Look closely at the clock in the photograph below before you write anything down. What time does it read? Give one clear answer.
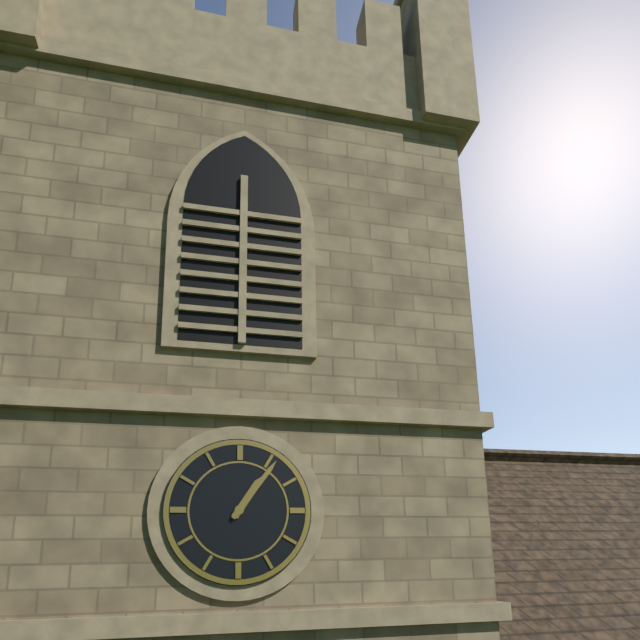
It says 1:06
